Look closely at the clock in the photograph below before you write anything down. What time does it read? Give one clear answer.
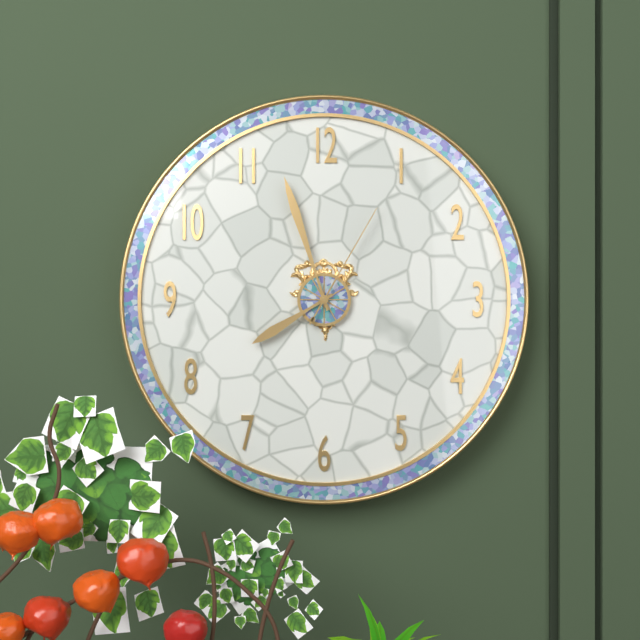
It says 7:57:05
